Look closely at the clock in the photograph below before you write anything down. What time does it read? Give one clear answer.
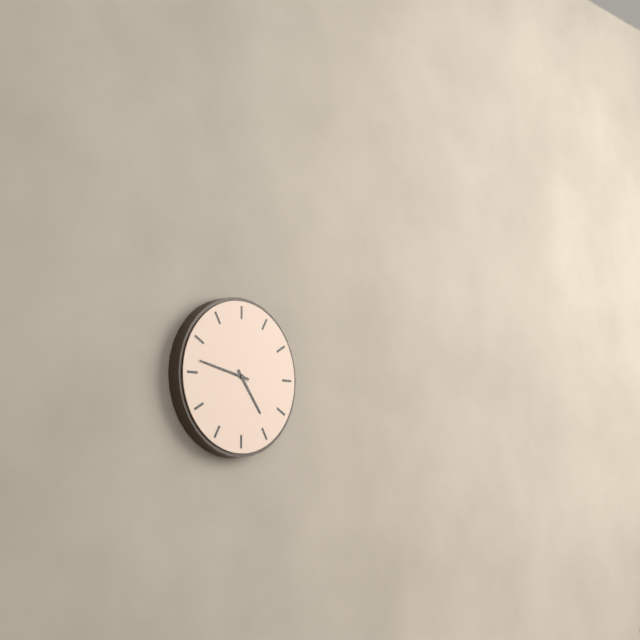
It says 4:47
